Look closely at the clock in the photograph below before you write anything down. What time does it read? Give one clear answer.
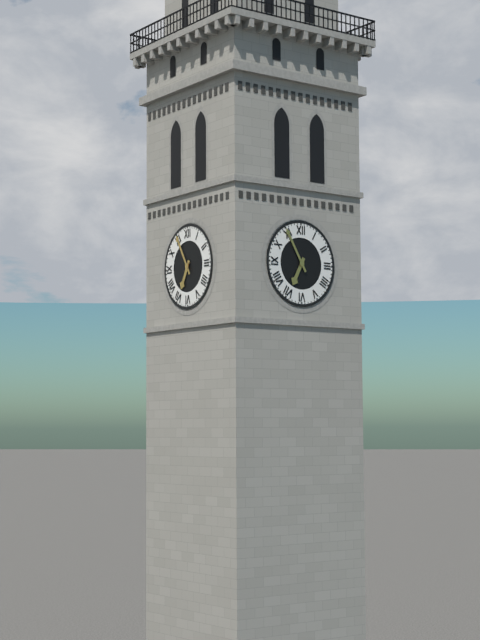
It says 6:55
